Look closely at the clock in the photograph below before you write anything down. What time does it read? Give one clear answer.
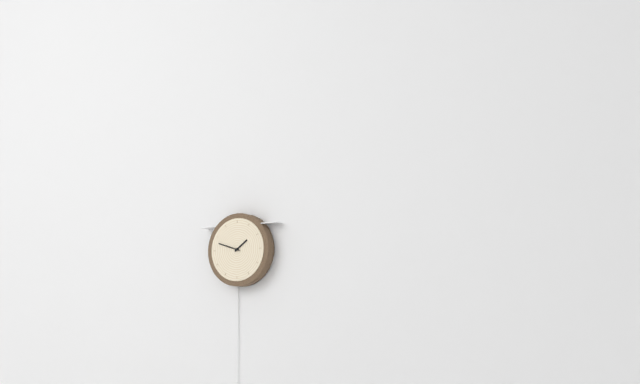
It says 1:48
